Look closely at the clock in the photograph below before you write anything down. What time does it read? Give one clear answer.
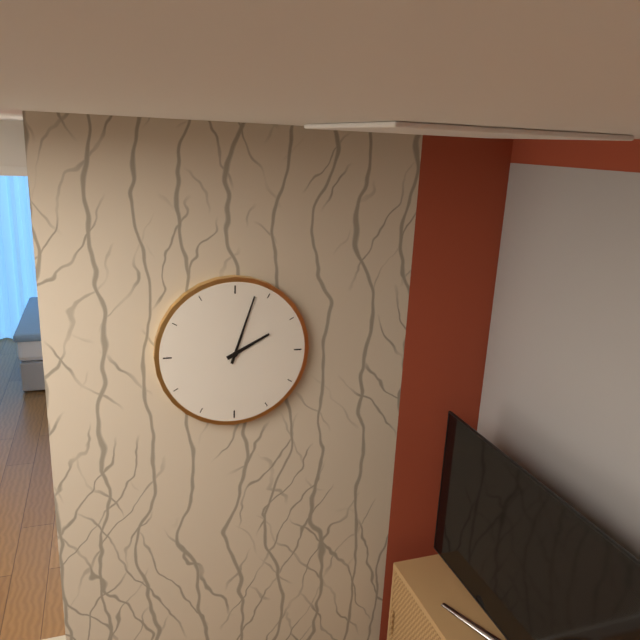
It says 2:03
